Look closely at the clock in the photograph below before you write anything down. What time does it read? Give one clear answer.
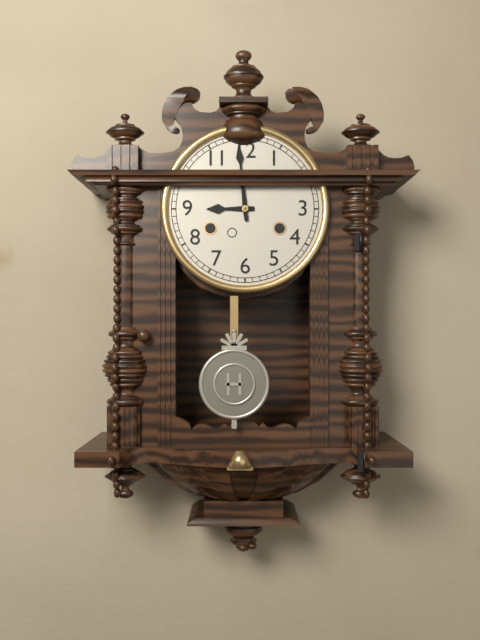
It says 8:59
